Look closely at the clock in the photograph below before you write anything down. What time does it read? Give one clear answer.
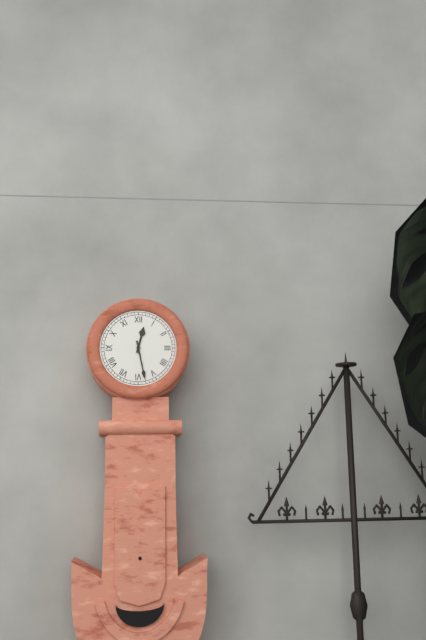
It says 12:28
